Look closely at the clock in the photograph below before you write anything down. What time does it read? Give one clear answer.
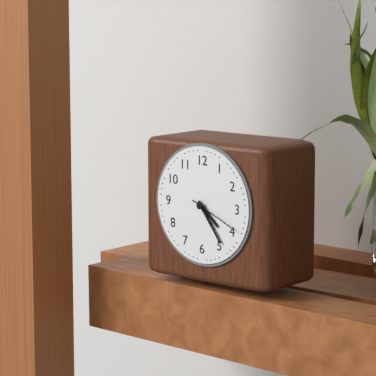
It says 4:24:19
